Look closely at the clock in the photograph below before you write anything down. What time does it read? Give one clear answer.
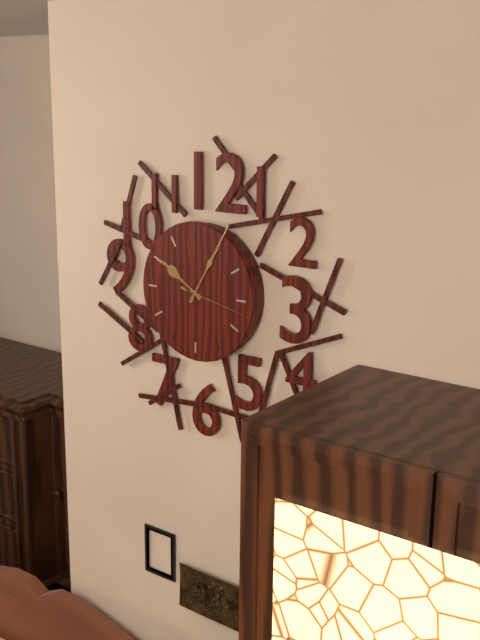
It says 10:05:17
